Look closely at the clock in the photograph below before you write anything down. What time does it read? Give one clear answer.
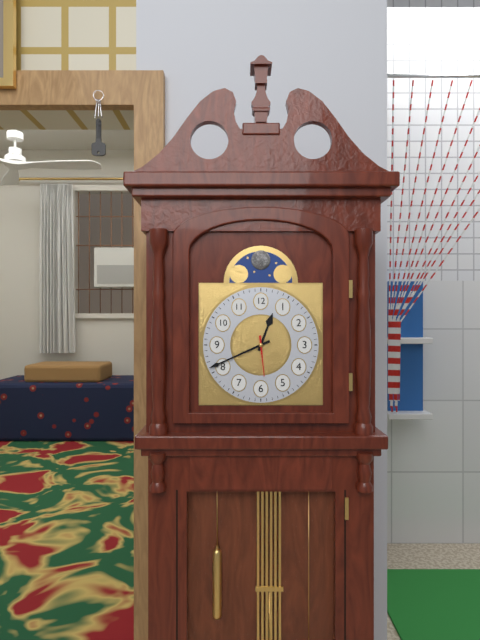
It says 12:41
